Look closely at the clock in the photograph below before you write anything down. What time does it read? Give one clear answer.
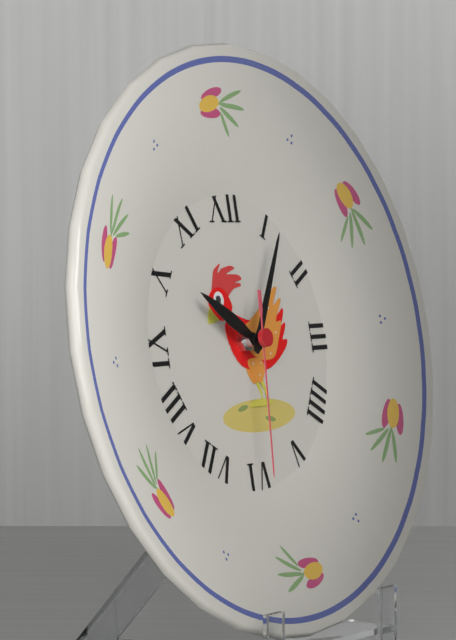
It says 10:05:31
